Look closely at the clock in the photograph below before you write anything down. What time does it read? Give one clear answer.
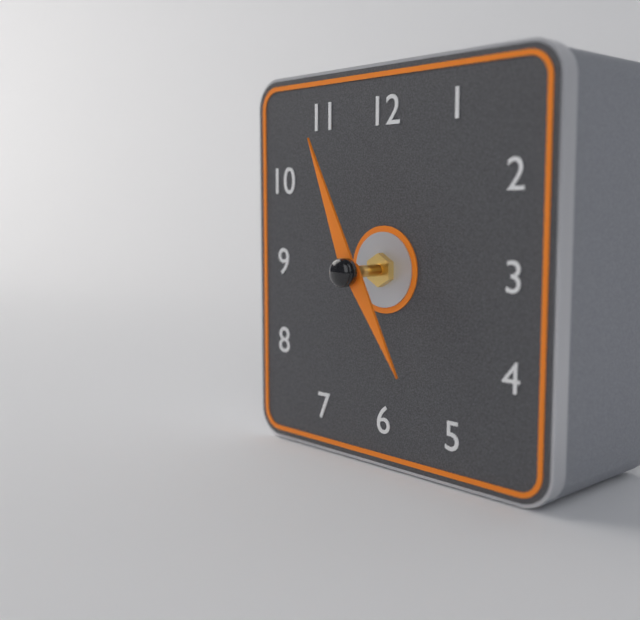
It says 4:56
